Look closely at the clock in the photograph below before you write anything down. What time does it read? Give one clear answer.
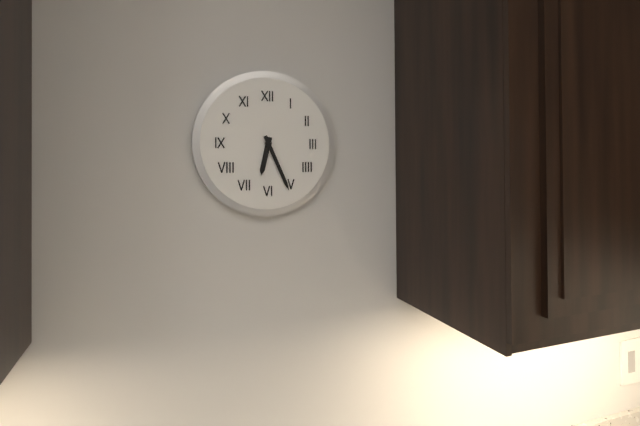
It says 6:26
